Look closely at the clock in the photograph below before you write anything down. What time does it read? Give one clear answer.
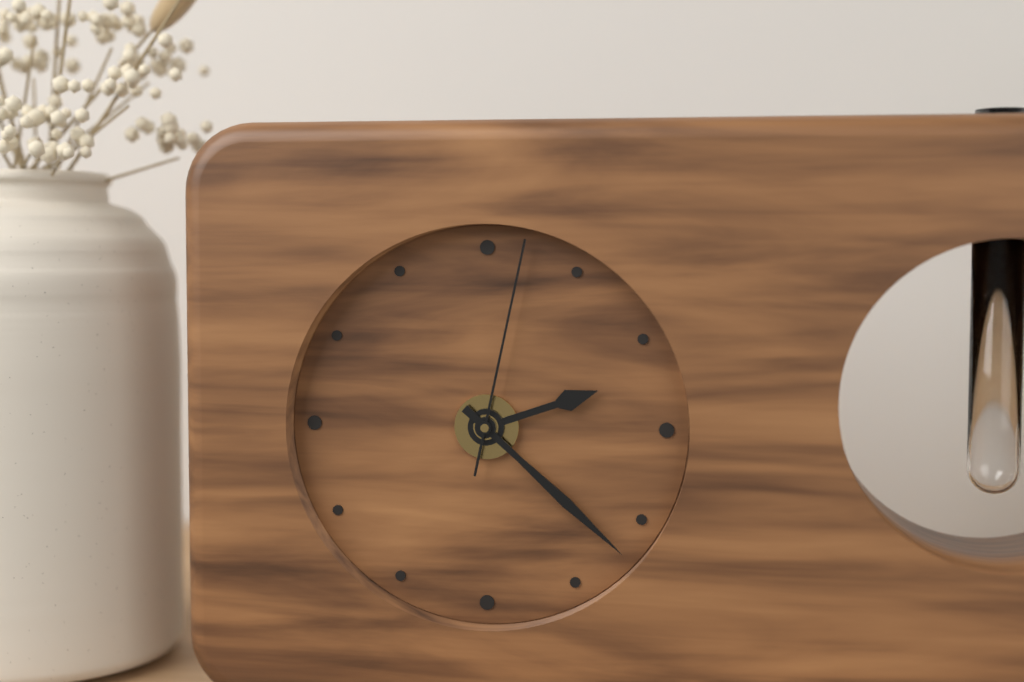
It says 2:22:02
